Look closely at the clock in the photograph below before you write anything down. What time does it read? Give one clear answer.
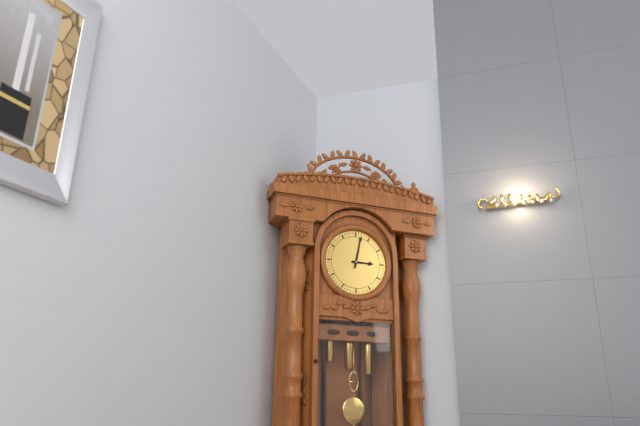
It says 3:02
